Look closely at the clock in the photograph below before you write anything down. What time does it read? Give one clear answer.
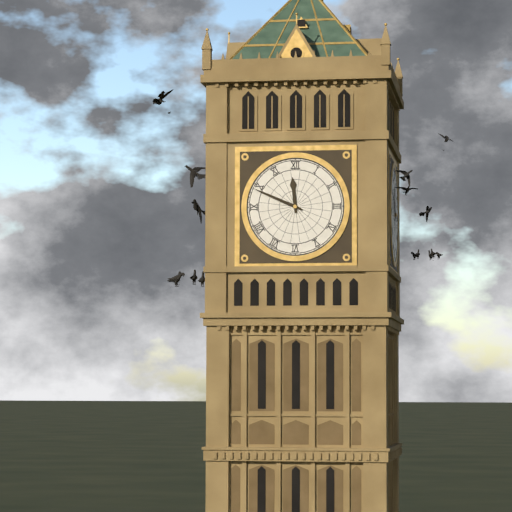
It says 11:49
